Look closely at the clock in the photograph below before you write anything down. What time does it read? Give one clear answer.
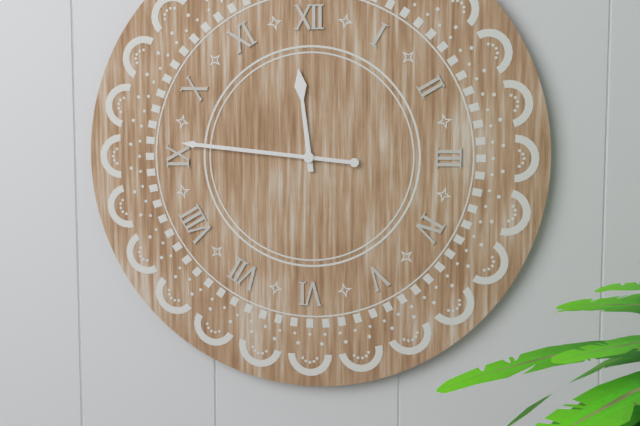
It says 11:46
